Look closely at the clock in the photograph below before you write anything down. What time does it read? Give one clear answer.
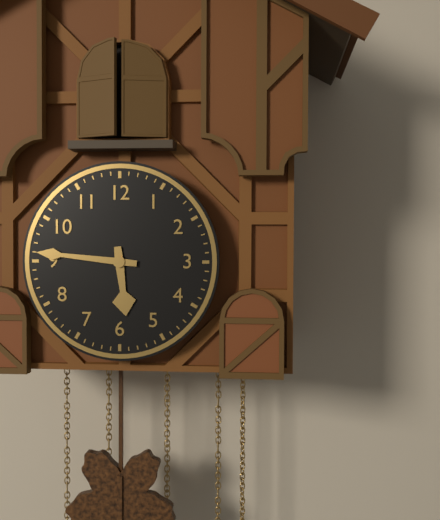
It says 5:46
